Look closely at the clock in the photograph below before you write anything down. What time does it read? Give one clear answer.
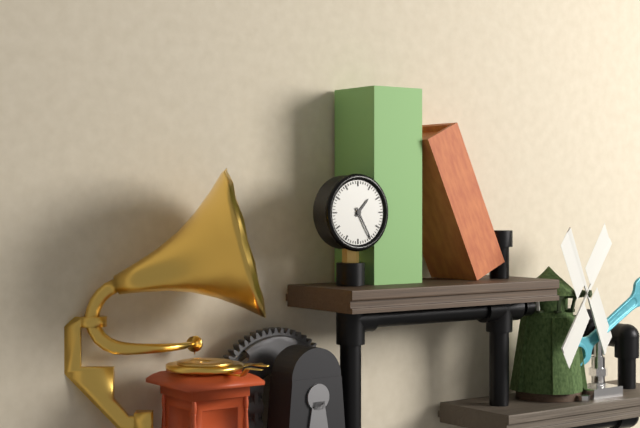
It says 1:25
